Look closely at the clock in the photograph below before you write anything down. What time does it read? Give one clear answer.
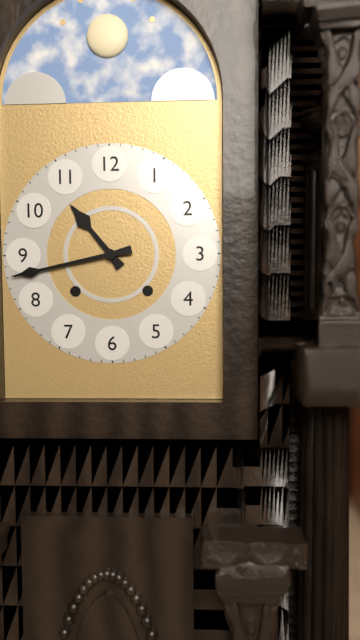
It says 10:43
